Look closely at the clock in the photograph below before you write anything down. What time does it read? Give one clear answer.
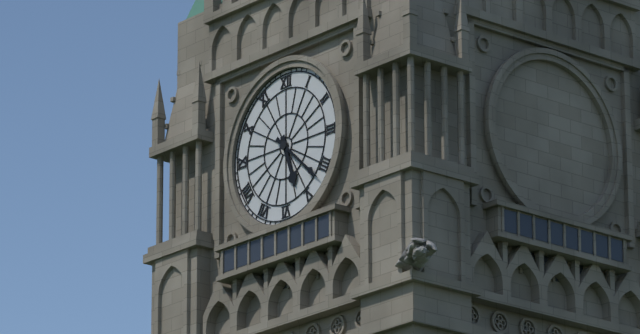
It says 5:22
